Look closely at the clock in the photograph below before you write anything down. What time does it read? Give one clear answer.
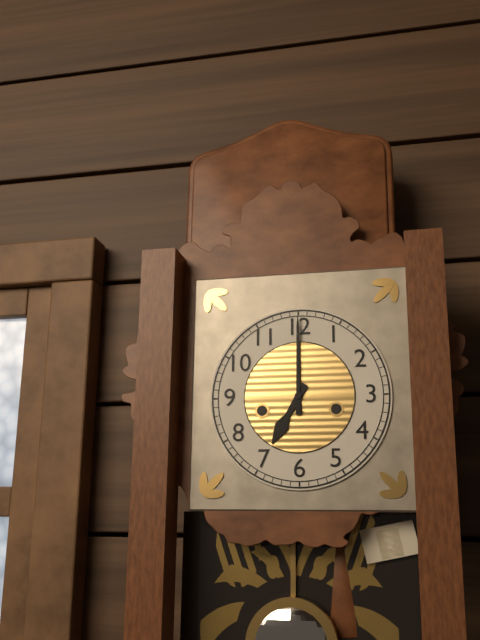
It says 7:00
